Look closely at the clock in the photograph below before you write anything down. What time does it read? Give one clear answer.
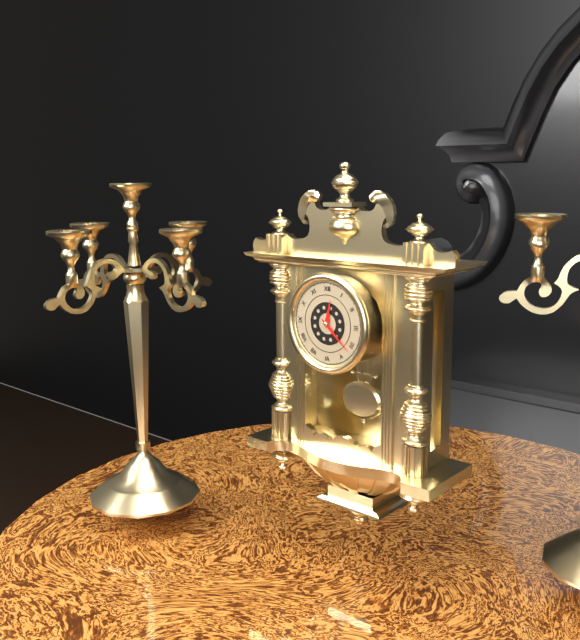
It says 12:22
